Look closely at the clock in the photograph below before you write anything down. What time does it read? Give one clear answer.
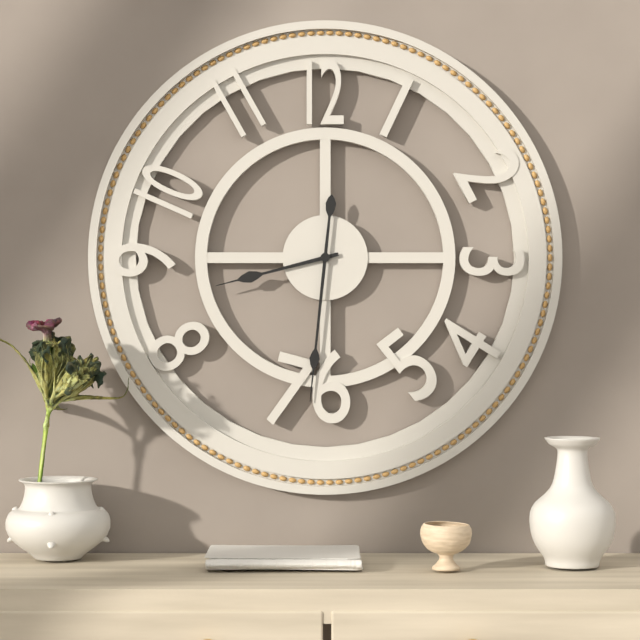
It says 8:31
